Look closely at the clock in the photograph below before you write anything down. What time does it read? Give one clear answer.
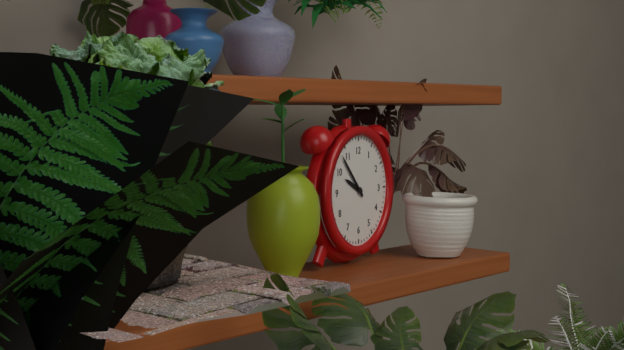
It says 9:53
